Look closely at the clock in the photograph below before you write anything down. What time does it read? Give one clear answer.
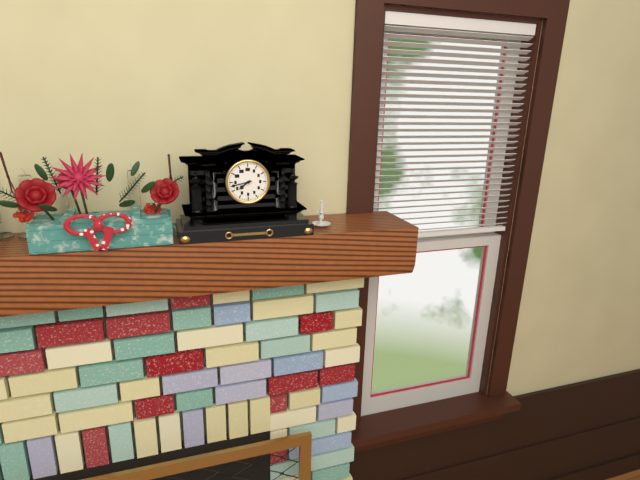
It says 7:43
